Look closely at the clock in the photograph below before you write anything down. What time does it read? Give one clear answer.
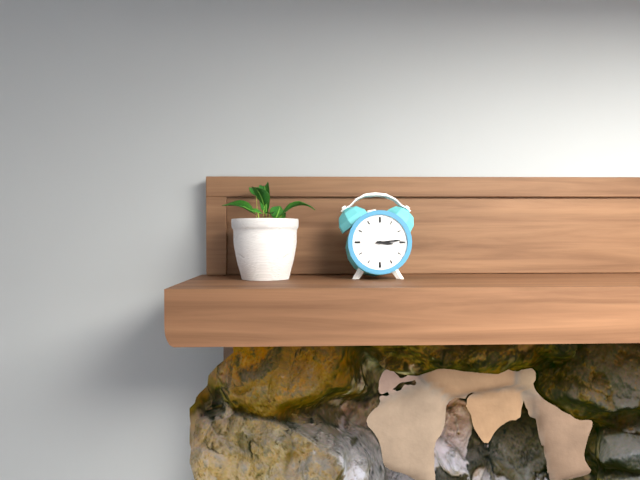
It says 3:14
